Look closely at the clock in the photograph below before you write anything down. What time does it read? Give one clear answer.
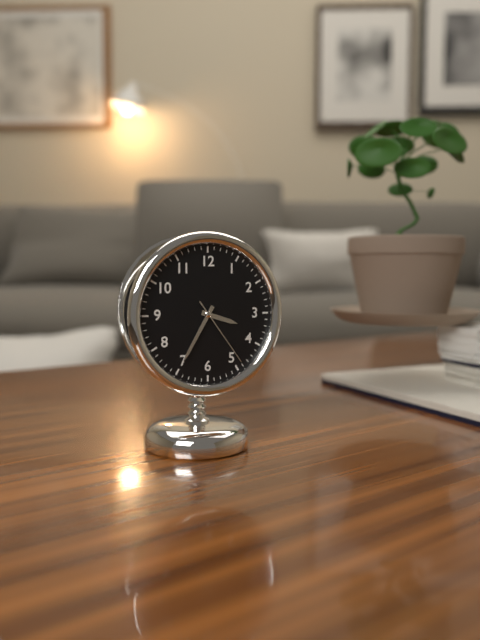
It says 3:35:24
